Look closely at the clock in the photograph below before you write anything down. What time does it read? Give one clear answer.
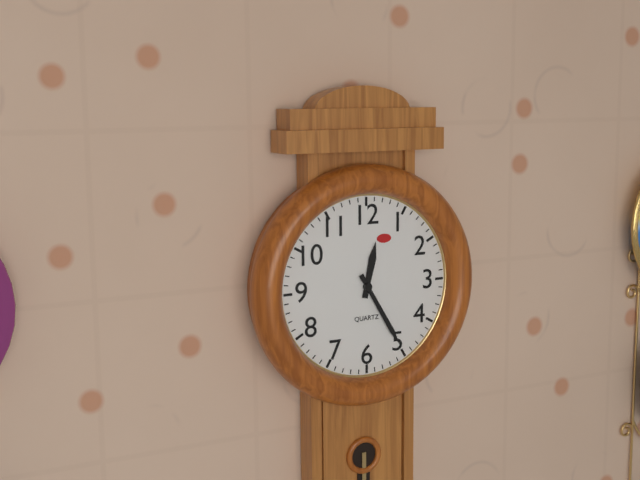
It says 12:25
